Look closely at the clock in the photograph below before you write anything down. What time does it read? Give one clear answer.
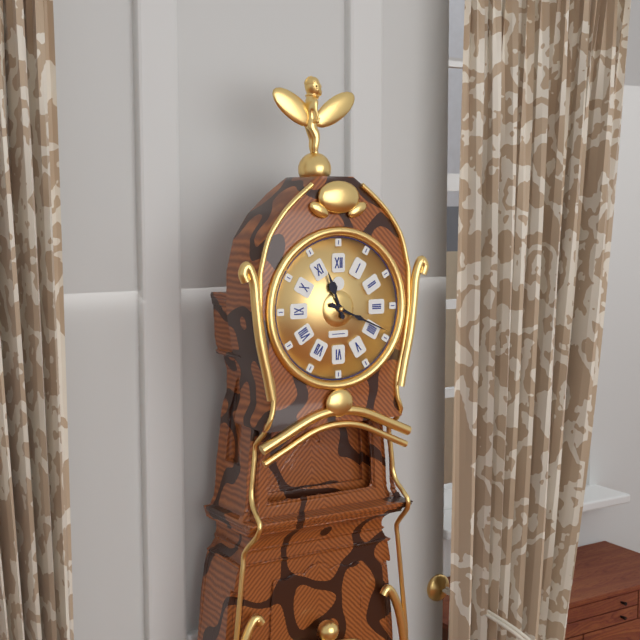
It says 11:19
